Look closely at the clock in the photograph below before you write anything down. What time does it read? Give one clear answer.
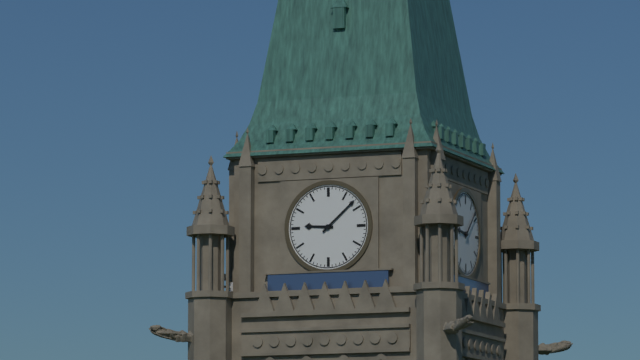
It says 9:08
